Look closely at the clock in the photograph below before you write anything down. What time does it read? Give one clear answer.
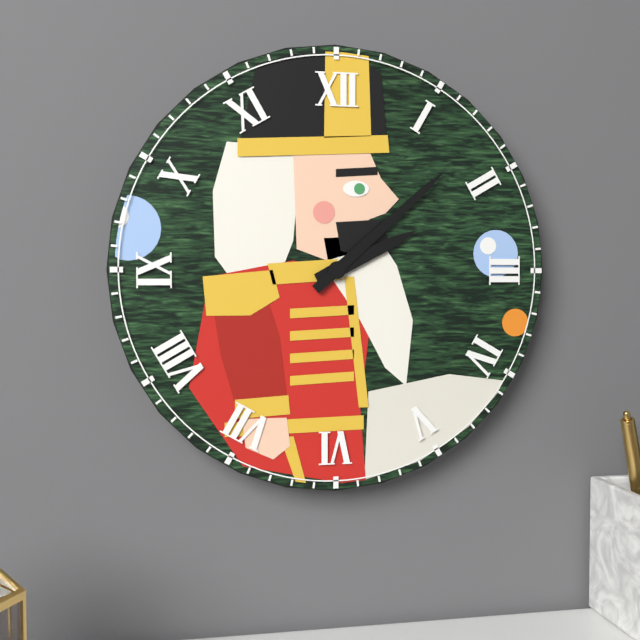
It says 2:08
